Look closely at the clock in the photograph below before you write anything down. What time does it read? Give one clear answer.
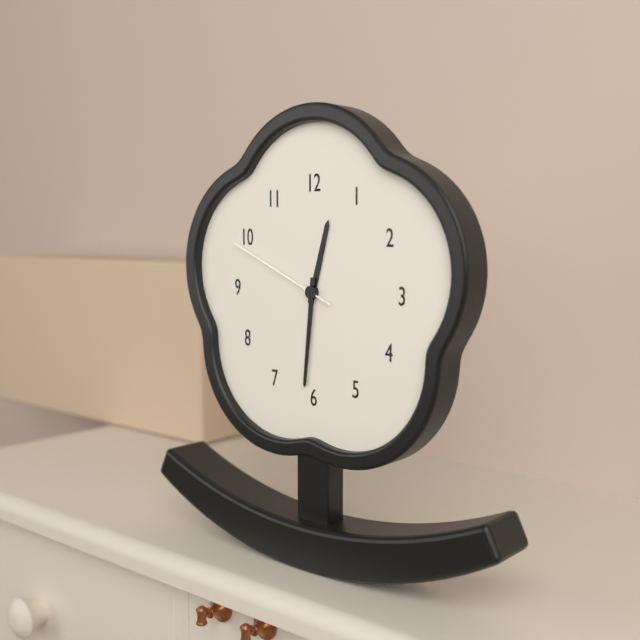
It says 12:31:49
